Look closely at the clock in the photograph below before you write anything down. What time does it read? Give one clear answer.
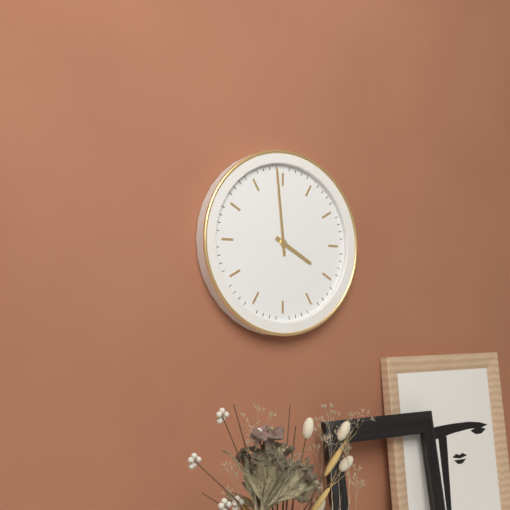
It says 3:59
